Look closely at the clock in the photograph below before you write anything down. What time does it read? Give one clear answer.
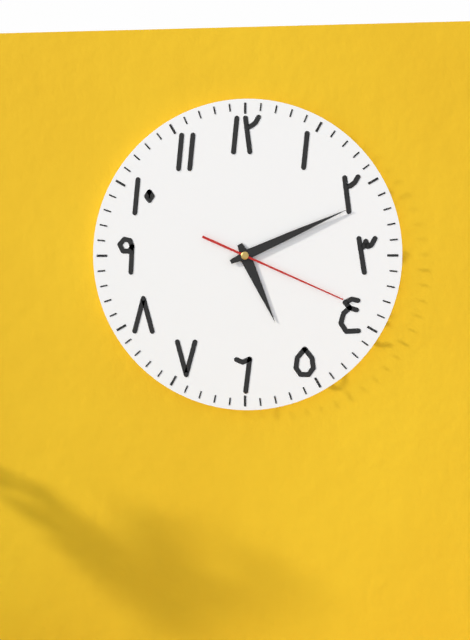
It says 5:11:19
